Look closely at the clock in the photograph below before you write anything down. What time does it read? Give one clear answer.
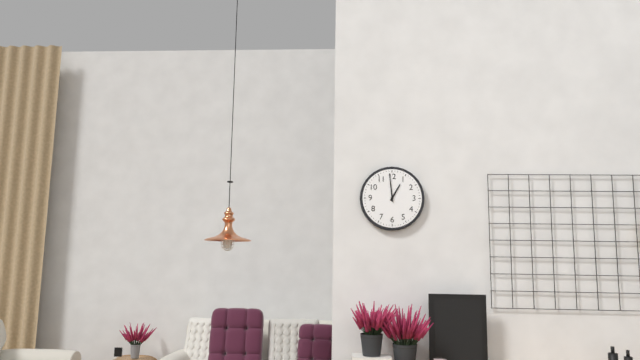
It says 12:59
